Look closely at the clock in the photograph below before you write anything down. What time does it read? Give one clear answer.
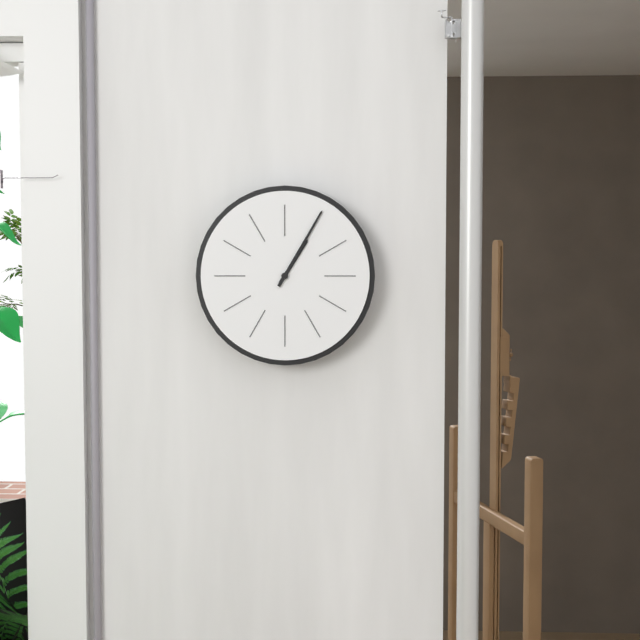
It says 1:05
